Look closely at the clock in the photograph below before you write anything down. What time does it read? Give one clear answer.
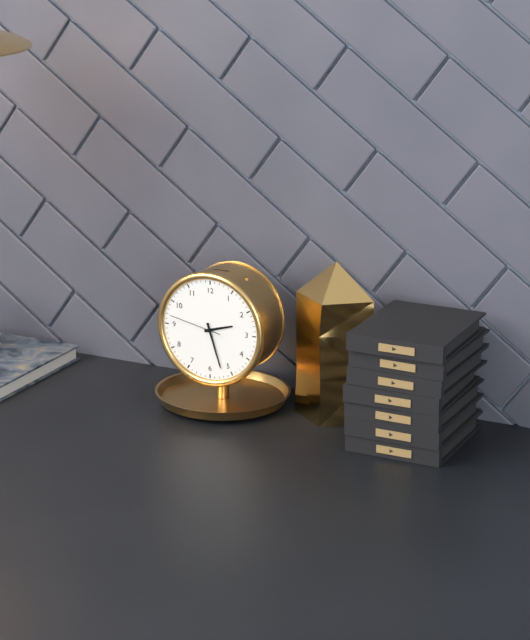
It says 2:27:47
